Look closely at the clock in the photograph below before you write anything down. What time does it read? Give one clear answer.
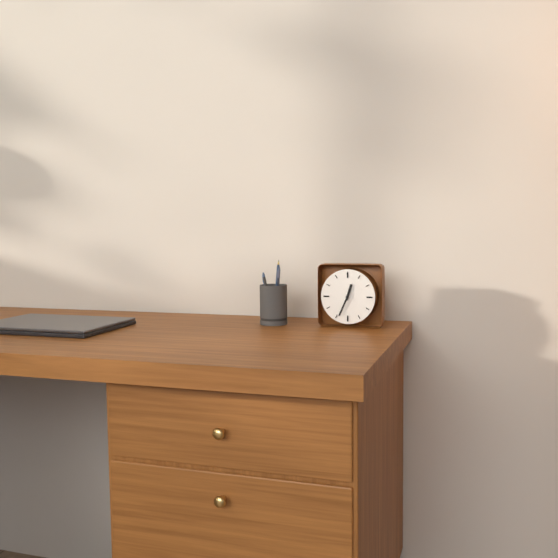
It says 12:34
